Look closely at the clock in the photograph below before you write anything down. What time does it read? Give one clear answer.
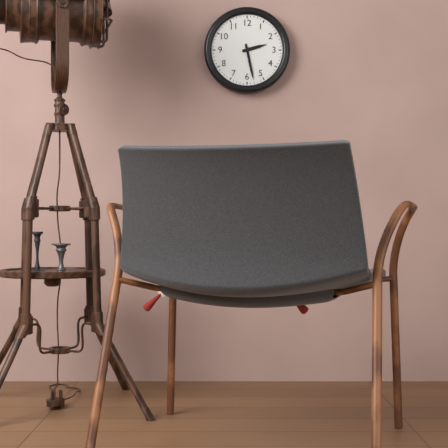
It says 2:28
